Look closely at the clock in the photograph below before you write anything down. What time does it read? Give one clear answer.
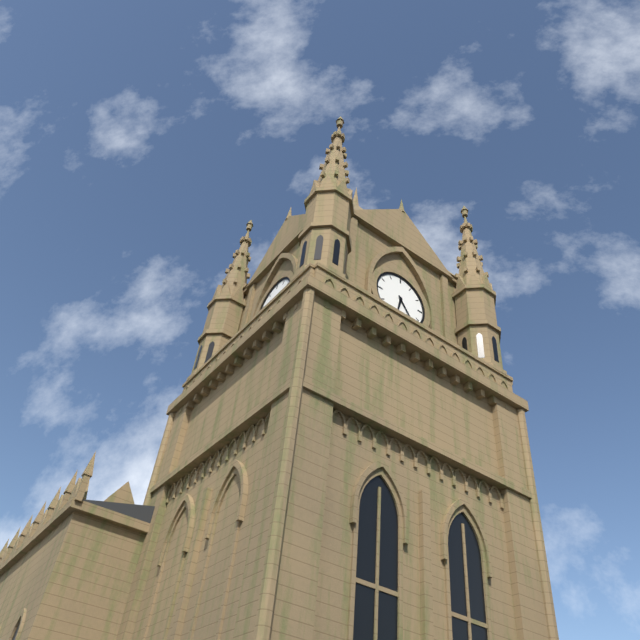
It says 6:24
